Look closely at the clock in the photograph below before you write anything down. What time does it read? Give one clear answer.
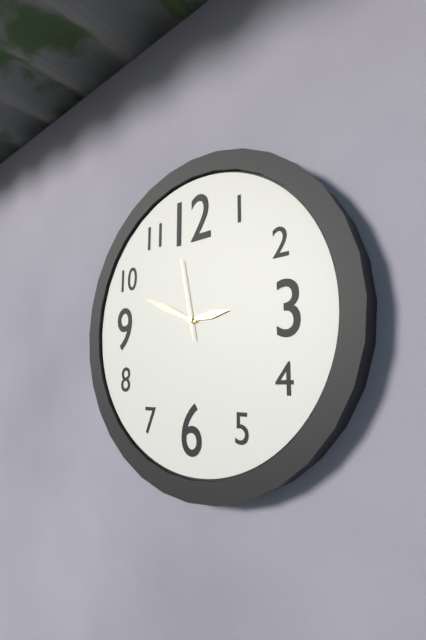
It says 2:49:58
